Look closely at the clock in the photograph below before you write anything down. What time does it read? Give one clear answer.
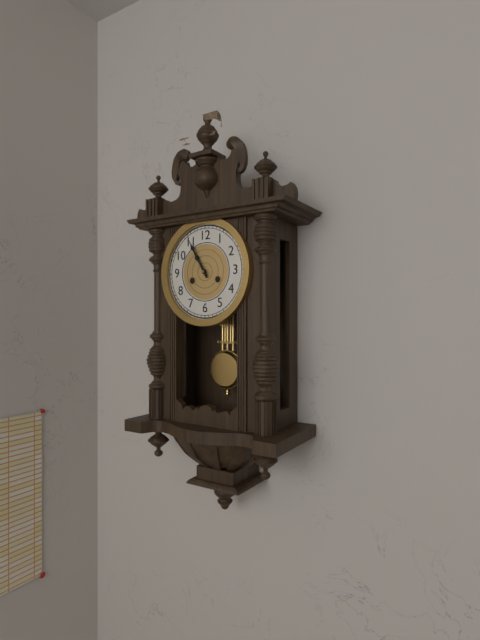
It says 10:55
